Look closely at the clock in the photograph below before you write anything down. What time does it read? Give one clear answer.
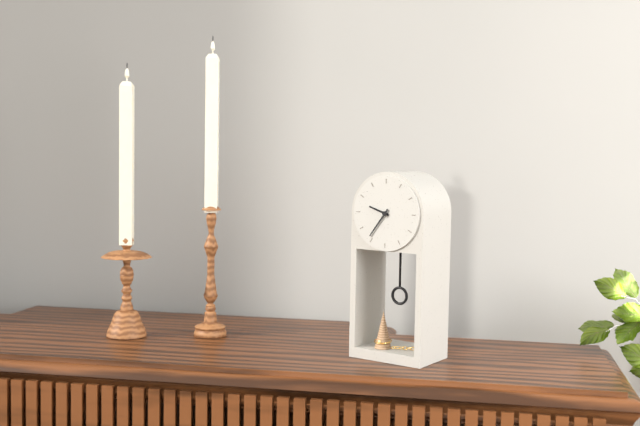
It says 9:36
